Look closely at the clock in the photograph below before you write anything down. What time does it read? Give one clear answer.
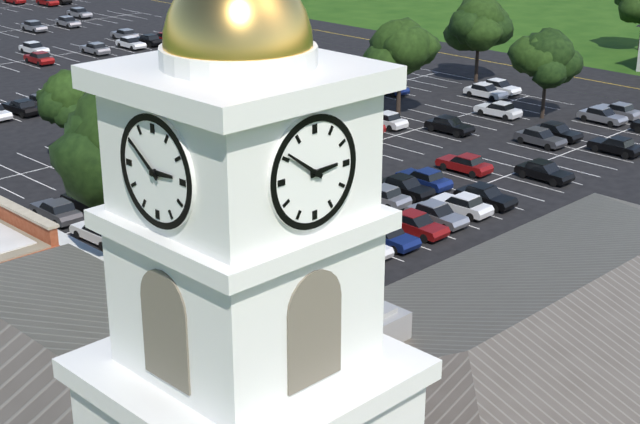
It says 2:51
